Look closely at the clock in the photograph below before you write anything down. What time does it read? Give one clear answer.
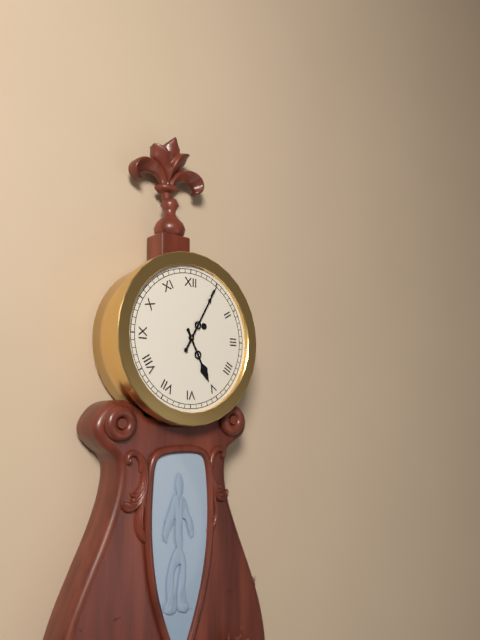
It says 5:05
